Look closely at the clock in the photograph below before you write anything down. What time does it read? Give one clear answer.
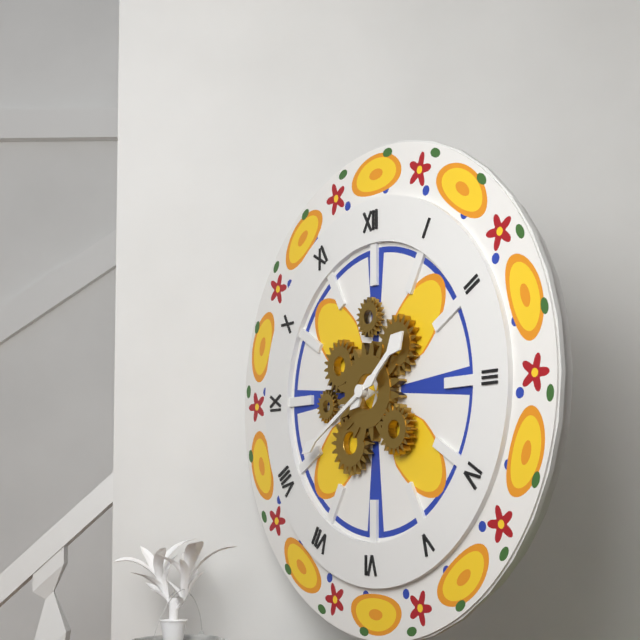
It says 1:40
